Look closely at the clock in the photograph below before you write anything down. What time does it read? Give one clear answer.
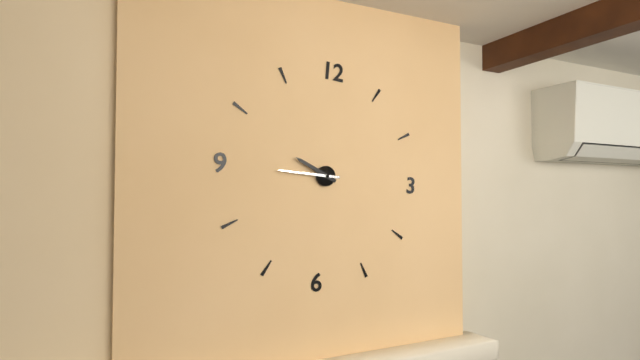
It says 9:45
